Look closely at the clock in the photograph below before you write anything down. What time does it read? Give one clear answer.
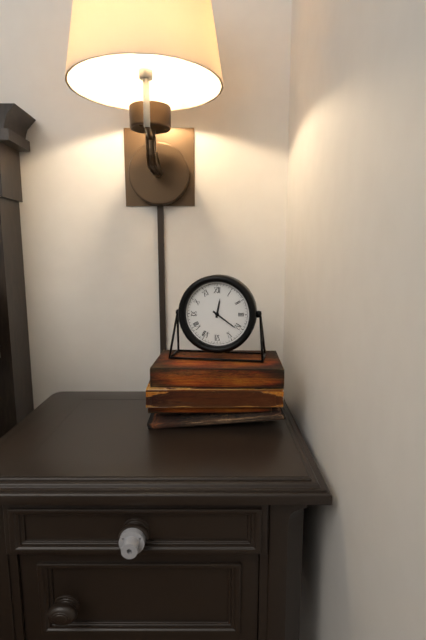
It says 12:21
